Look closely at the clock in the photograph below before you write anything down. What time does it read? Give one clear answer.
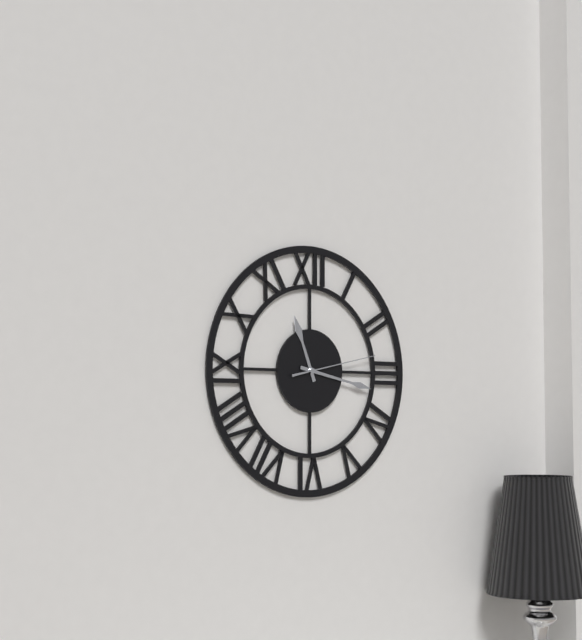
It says 11:17:13
